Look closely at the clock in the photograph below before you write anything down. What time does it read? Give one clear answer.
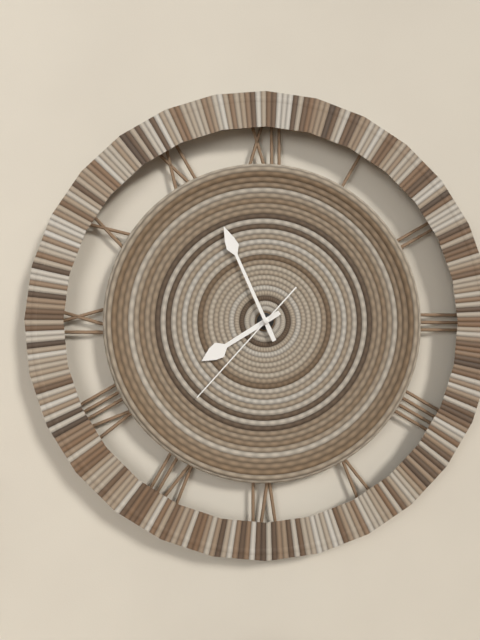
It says 7:56:37
